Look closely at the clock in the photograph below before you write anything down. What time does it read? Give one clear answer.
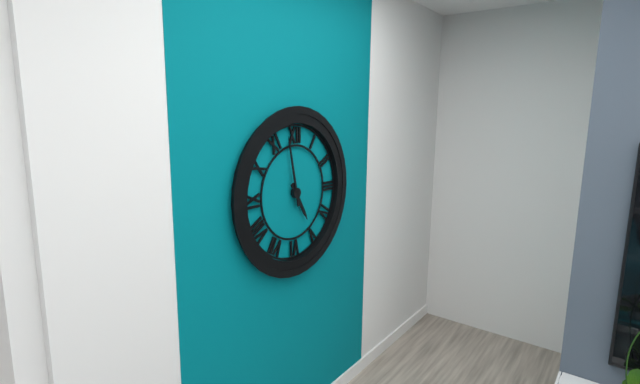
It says 4:58
